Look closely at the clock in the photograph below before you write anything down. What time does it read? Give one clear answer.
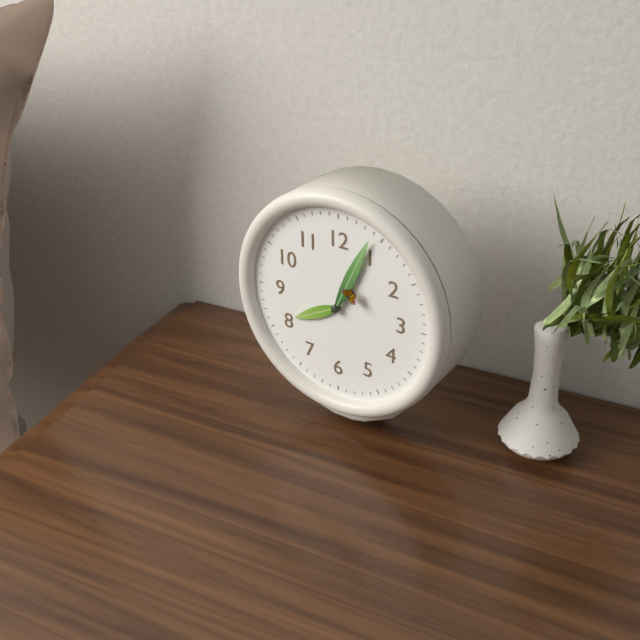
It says 8:04
